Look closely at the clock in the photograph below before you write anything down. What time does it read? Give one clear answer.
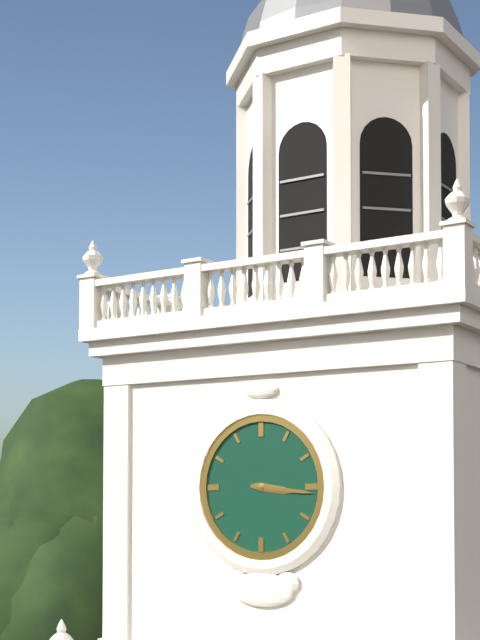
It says 3:16
